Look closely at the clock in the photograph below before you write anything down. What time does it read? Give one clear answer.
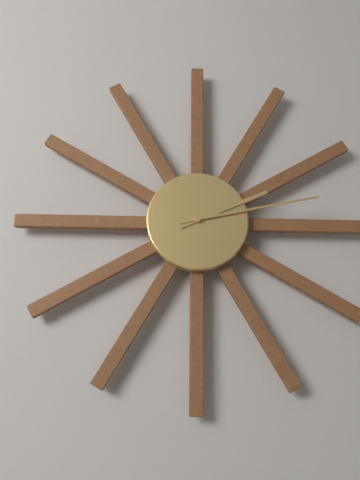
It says 2:13
